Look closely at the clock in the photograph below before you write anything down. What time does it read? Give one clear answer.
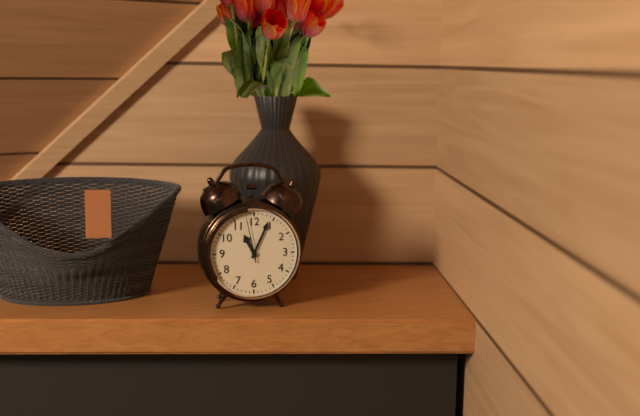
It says 11:04
